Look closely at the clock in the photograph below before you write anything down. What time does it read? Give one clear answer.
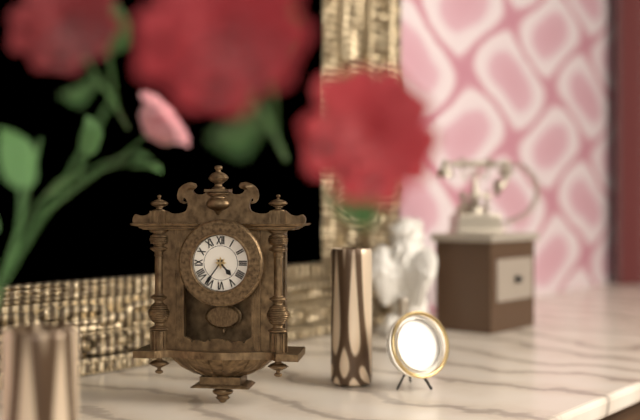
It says 4:36
